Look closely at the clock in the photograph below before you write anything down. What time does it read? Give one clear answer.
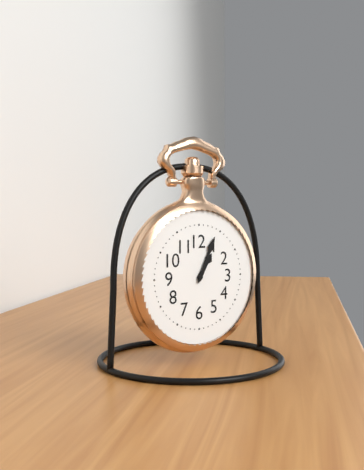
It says 1:04
